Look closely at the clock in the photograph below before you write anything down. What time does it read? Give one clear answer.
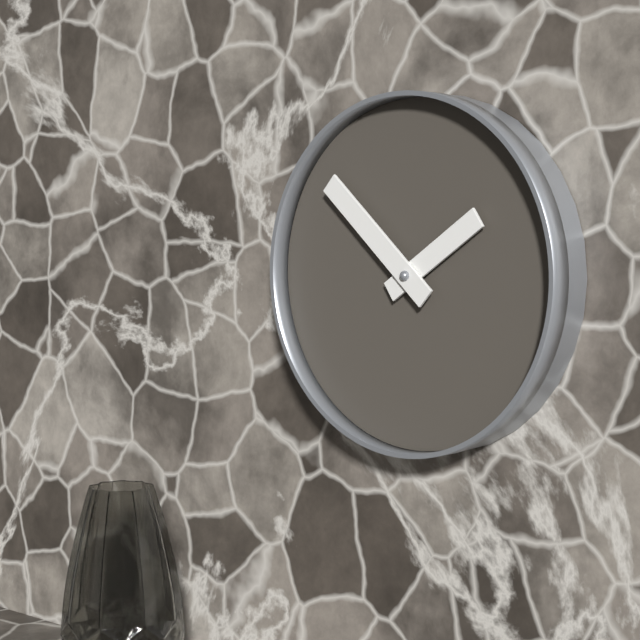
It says 1:52
